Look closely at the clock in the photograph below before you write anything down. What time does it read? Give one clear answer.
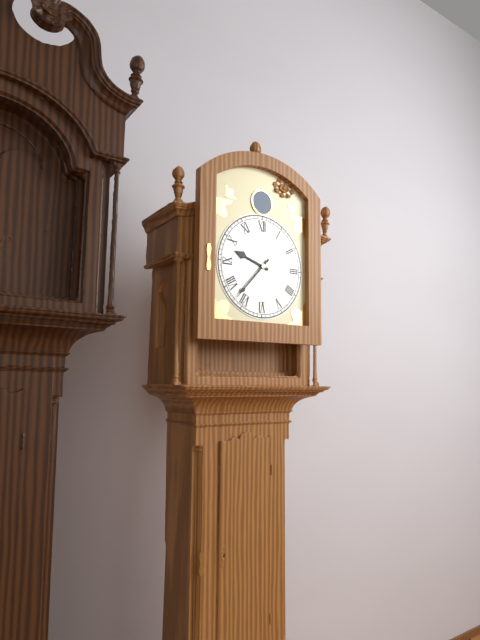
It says 9:37
